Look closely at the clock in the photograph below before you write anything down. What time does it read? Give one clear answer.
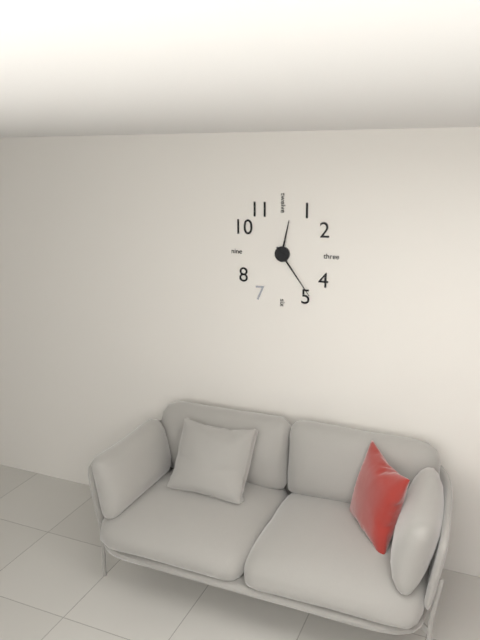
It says 12:24
